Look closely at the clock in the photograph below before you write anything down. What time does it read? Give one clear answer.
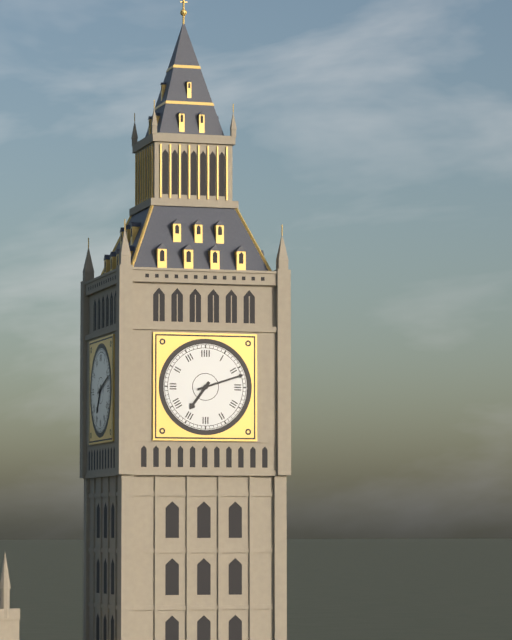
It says 7:12
